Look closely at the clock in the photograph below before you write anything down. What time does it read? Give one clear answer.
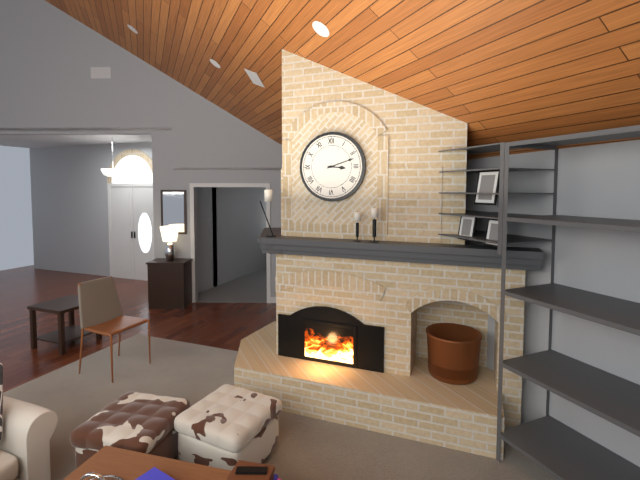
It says 3:12
